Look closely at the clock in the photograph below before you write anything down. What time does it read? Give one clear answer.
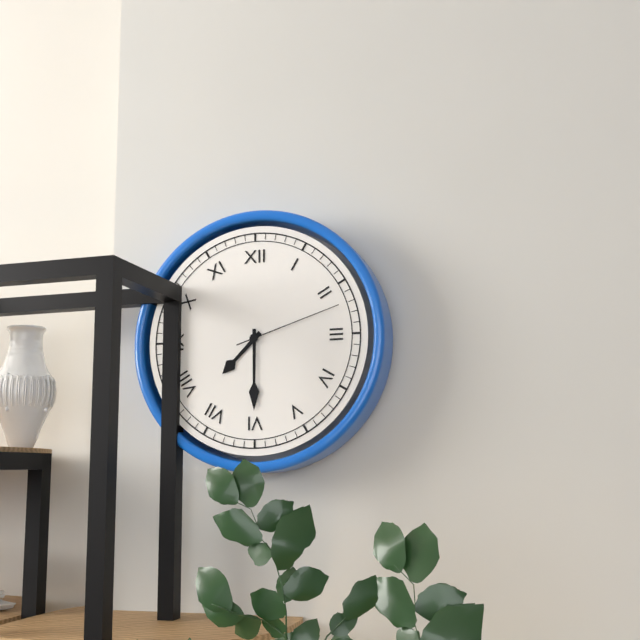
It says 7:30:12
